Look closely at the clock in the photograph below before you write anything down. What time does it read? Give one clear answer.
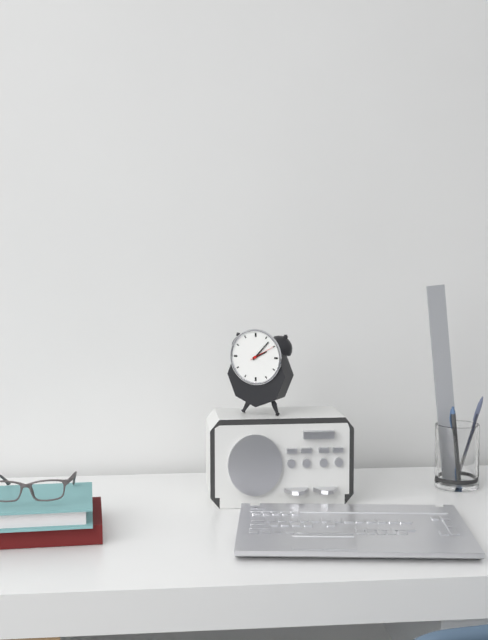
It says 2:07
